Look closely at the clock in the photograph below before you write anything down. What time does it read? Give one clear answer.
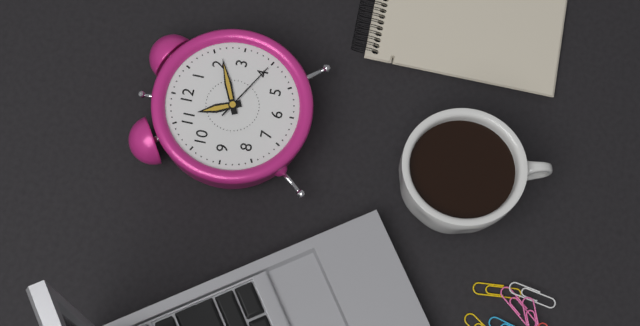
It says 11:11:20
